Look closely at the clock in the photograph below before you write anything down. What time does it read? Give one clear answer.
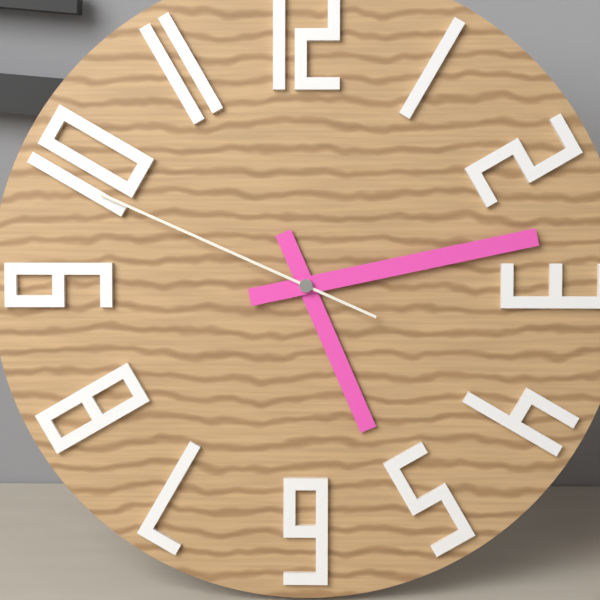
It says 5:13:49
